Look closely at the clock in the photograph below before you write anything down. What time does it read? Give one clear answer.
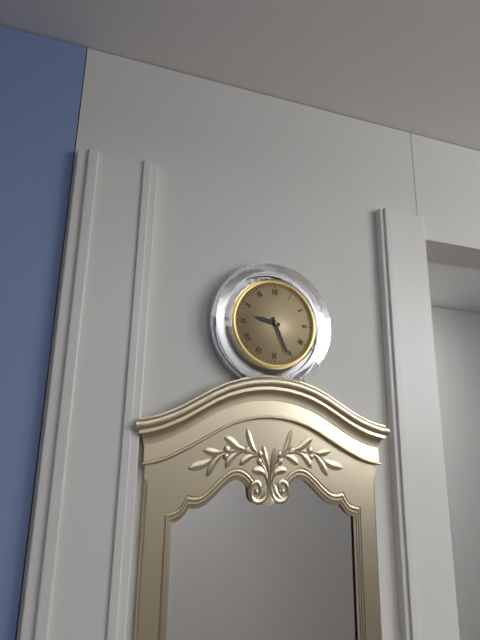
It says 9:26
